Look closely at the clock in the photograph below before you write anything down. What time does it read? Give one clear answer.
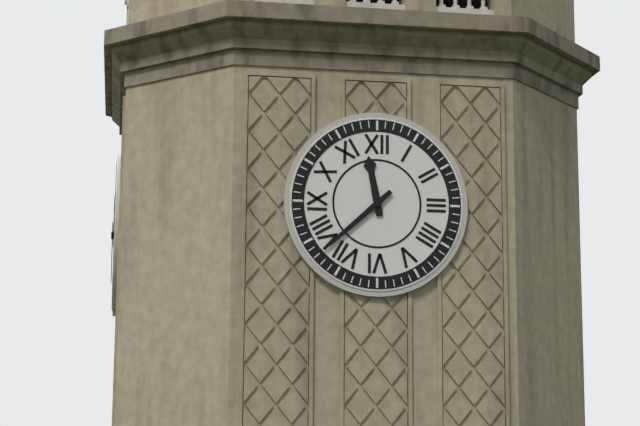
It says 11:38
